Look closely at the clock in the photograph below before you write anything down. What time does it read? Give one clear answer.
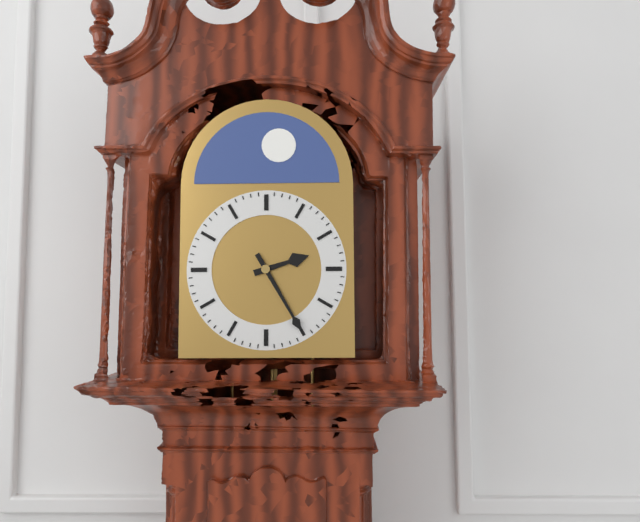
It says 2:25
